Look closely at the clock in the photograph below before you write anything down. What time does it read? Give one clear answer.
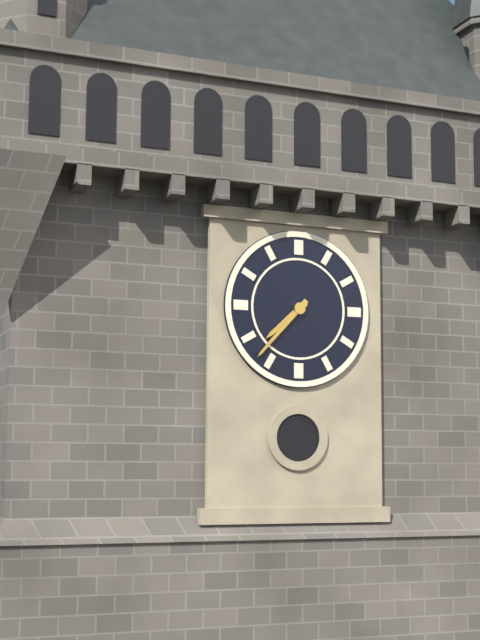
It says 7:37
